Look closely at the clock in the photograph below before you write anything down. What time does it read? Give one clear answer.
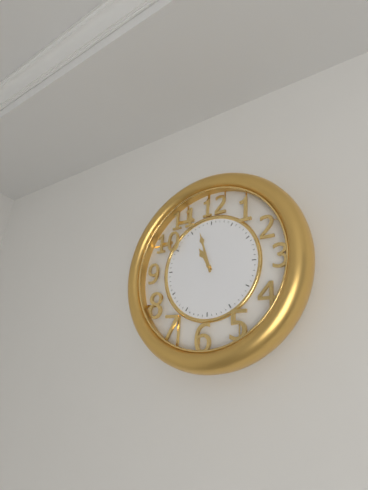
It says 10:57
